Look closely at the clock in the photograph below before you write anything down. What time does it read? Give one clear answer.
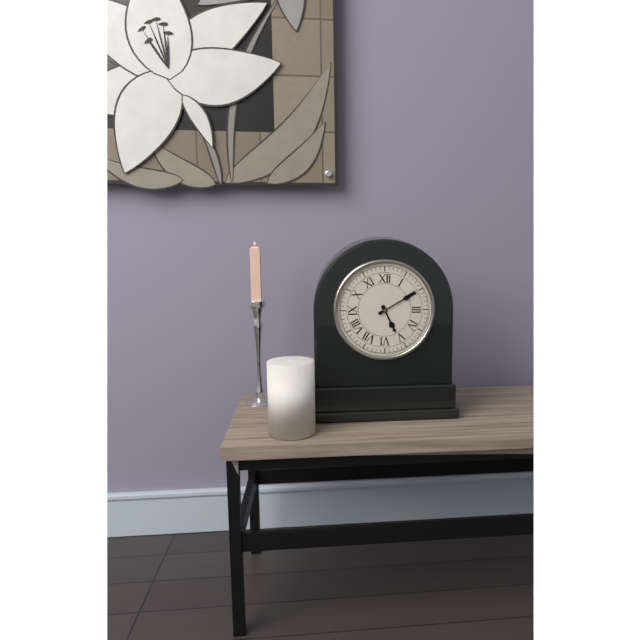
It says 5:10
